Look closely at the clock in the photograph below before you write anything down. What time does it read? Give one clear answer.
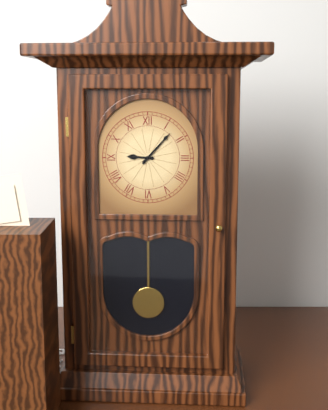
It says 9:07
